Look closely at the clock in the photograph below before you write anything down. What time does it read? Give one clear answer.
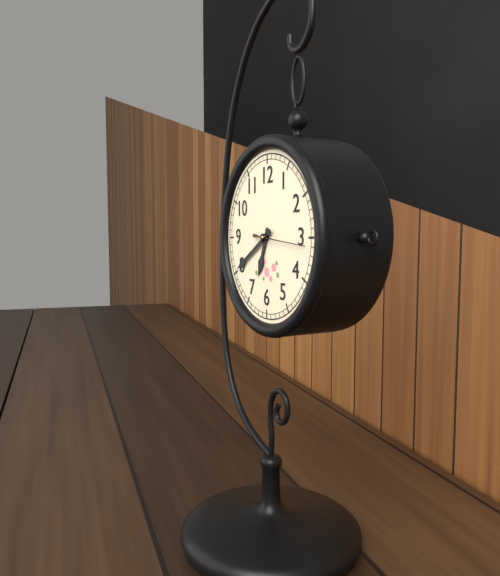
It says 6:40:16
